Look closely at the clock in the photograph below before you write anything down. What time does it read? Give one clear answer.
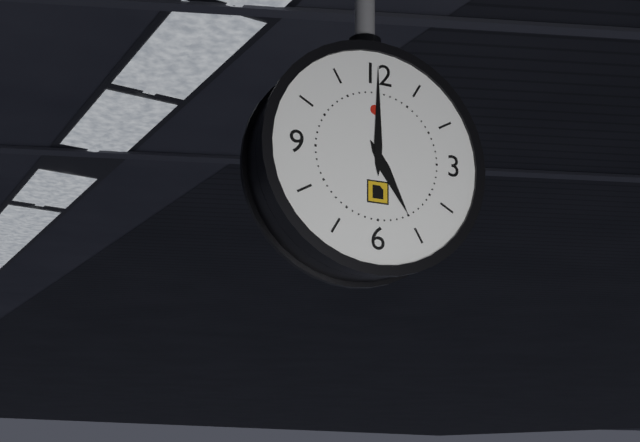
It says 5:00
